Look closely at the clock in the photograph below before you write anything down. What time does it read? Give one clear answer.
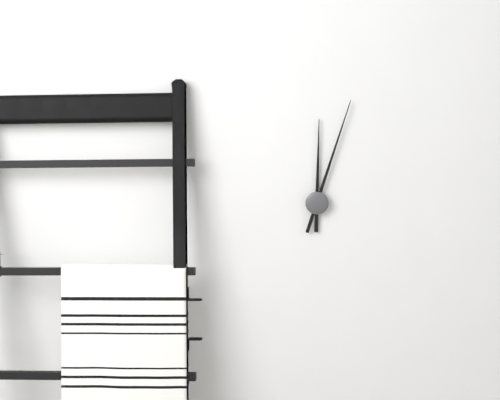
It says 12:03
